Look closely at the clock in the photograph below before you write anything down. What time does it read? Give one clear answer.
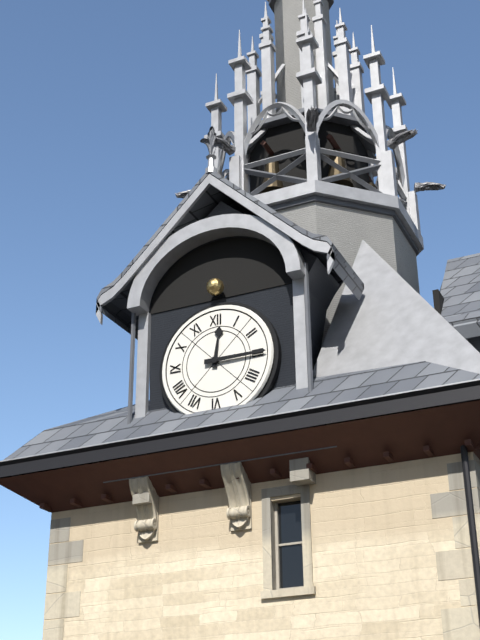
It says 12:15
